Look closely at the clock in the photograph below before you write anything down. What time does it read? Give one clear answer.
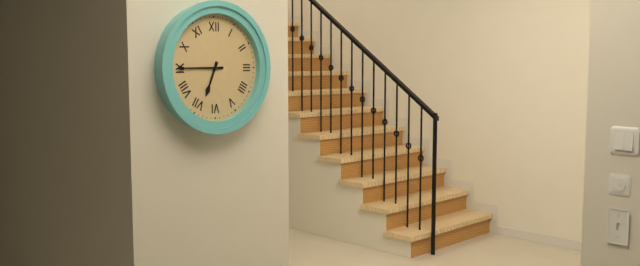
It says 6:45
